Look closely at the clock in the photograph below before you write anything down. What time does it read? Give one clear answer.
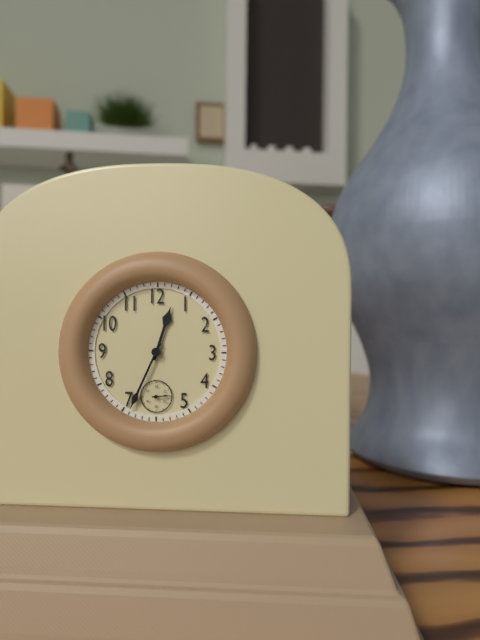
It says 12:34
